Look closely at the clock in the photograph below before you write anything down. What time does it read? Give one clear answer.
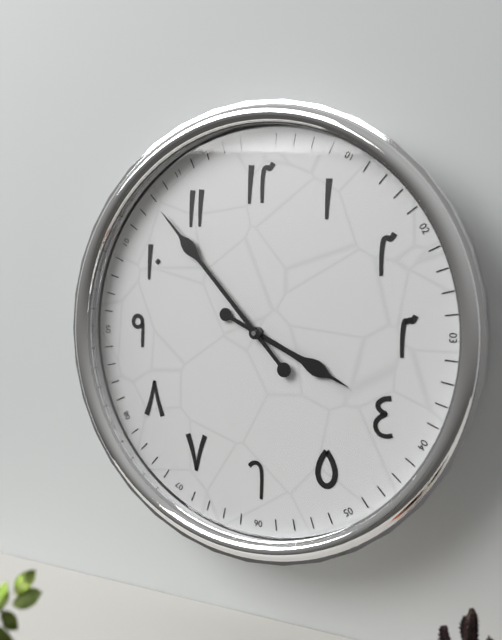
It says 3:53
